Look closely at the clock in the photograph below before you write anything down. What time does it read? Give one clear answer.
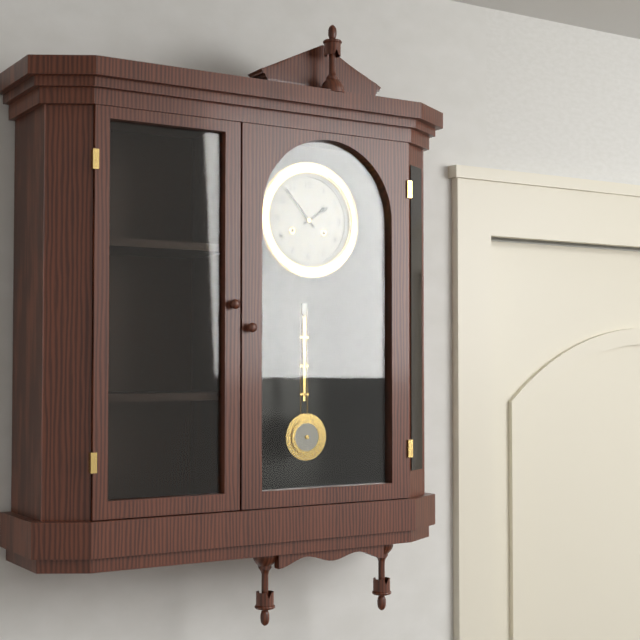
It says 1:53
